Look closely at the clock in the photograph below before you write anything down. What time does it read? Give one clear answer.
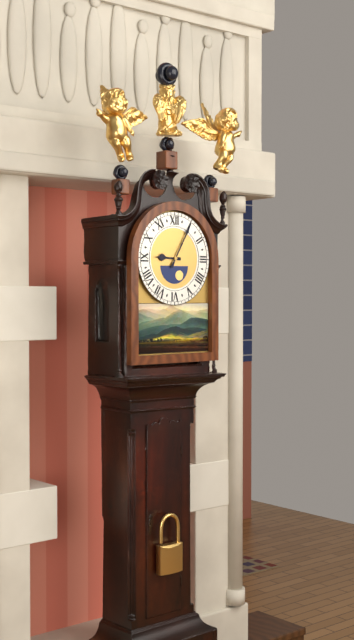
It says 9:05
